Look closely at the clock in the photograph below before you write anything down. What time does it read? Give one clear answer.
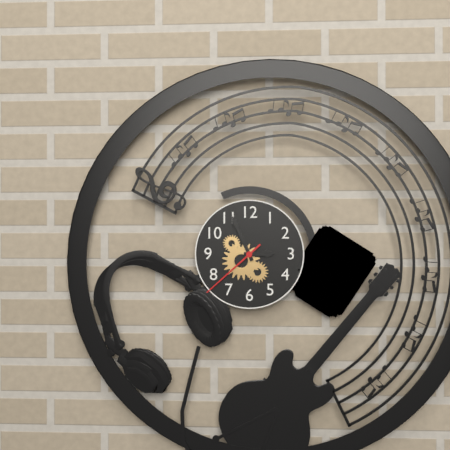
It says 2:56:38
